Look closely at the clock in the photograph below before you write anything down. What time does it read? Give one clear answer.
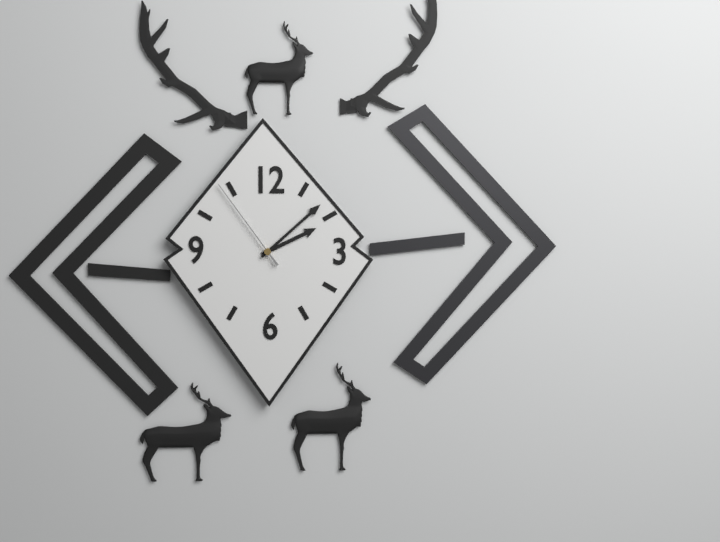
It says 2:08:54
